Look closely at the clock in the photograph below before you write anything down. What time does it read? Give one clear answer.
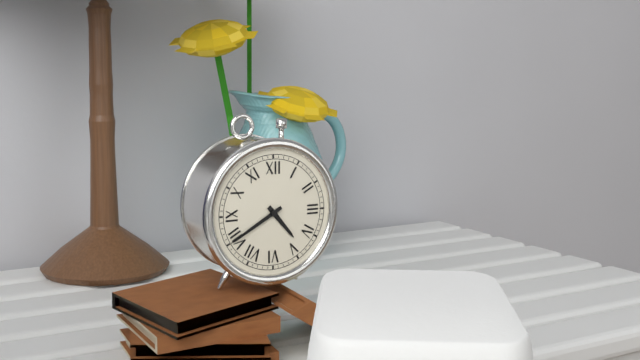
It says 4:40
